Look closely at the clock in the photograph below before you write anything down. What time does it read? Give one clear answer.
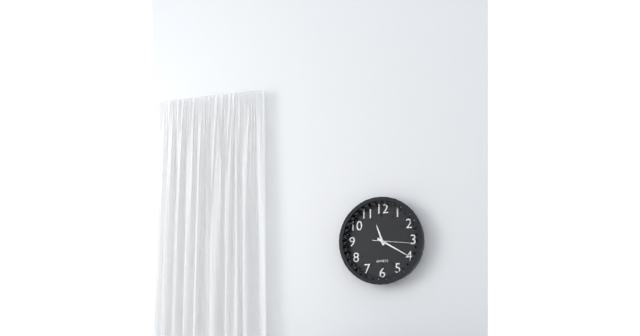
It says 11:20
